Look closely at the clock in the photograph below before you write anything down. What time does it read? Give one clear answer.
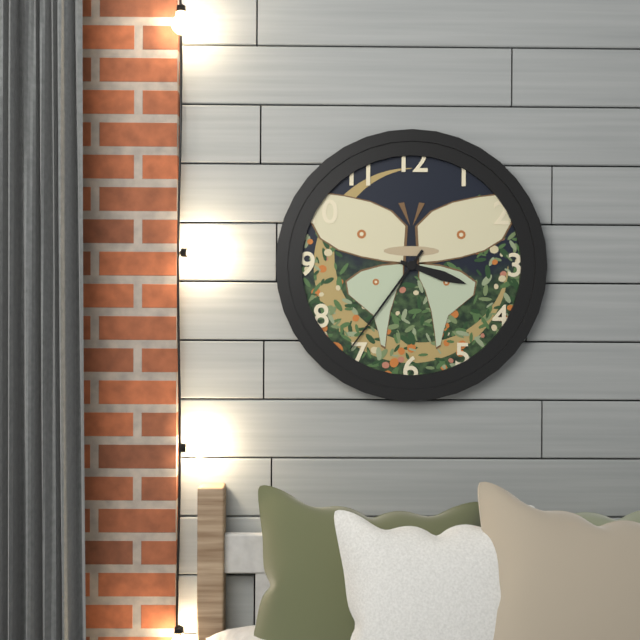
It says 3:36
